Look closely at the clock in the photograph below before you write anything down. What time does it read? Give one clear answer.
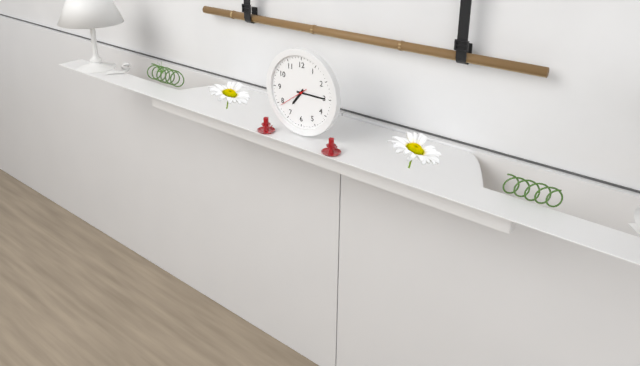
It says 7:15
